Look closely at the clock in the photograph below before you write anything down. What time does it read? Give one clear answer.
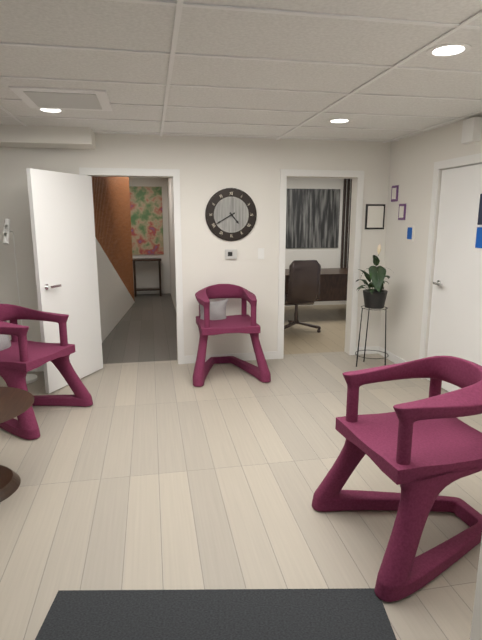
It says 4:40
